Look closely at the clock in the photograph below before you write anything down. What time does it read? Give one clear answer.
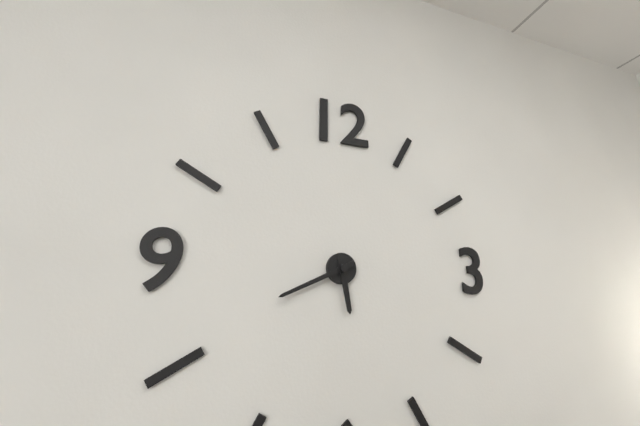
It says 5:41
